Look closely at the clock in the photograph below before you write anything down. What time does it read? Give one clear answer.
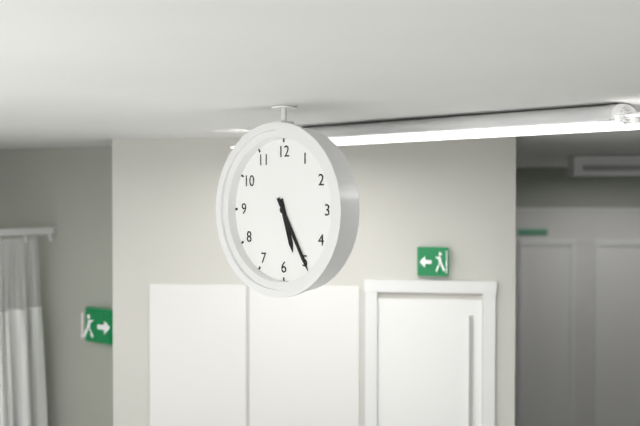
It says 5:25
